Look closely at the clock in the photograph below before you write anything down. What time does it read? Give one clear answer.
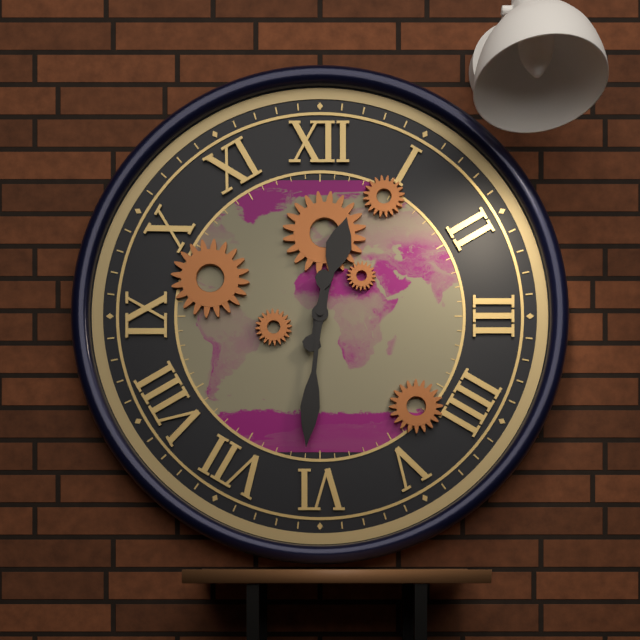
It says 12:31
